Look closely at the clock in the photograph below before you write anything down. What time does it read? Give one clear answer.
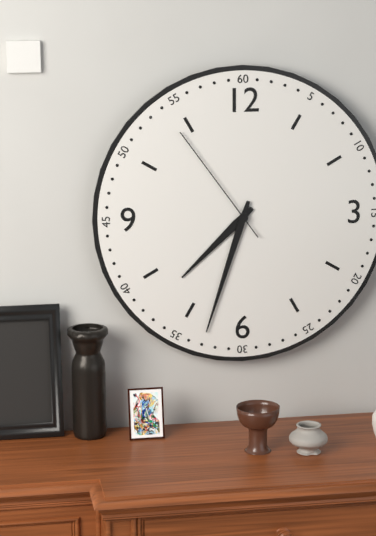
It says 7:33:54
